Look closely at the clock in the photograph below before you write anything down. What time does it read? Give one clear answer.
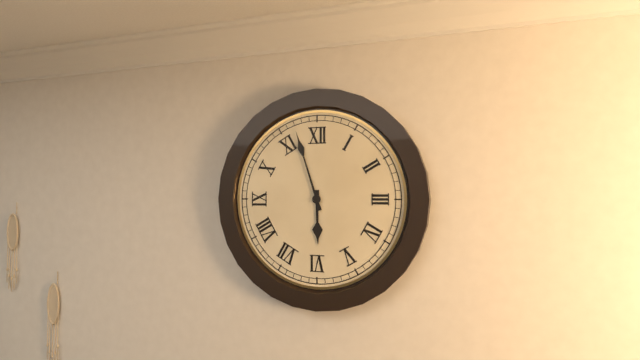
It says 5:57
